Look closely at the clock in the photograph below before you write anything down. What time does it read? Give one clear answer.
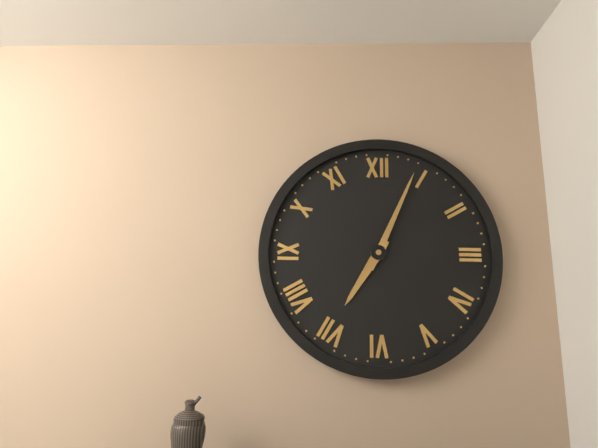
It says 7:04
